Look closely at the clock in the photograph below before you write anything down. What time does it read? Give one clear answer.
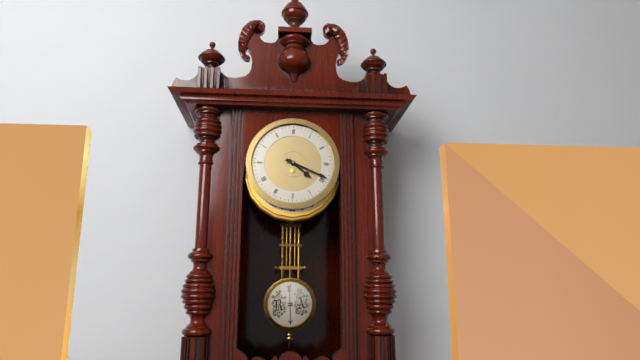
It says 4:19
